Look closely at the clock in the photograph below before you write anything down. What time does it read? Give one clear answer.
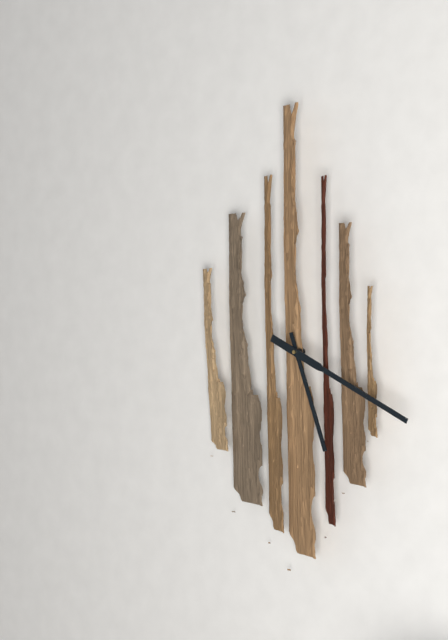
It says 5:19
